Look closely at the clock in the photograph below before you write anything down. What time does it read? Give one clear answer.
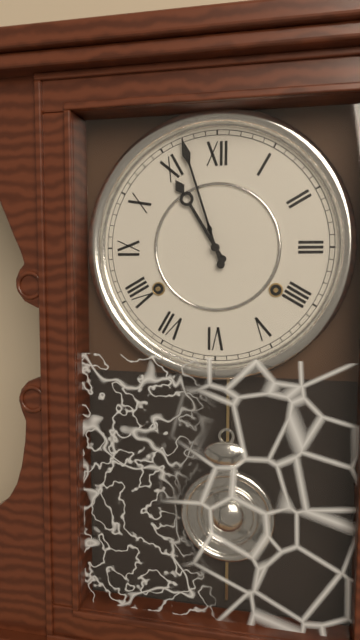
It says 10:57
